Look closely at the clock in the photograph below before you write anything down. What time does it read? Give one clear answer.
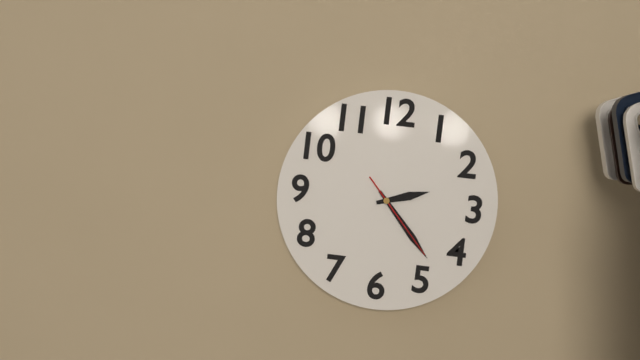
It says 2:23:23
